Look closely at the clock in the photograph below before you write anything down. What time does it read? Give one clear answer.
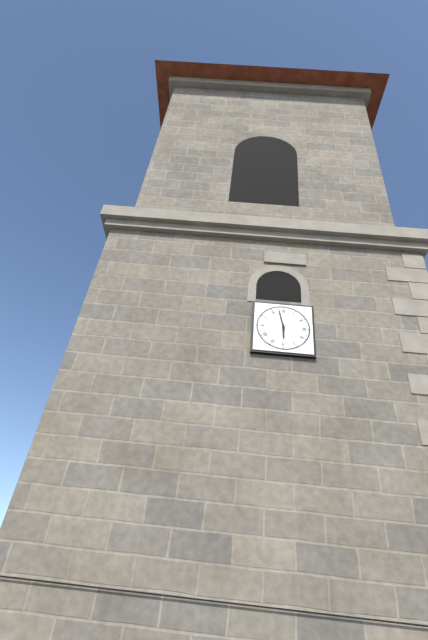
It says 5:58
